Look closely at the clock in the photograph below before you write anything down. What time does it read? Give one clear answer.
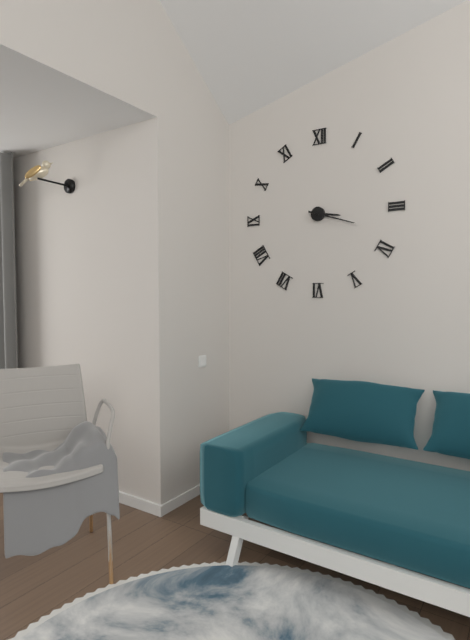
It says 3:18
